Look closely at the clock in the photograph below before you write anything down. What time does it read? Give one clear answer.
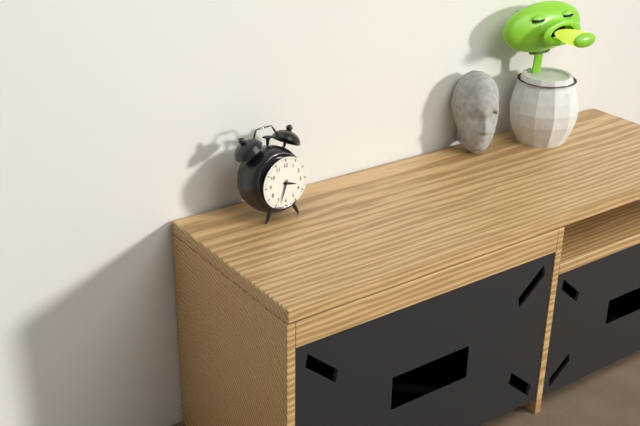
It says 3:33
